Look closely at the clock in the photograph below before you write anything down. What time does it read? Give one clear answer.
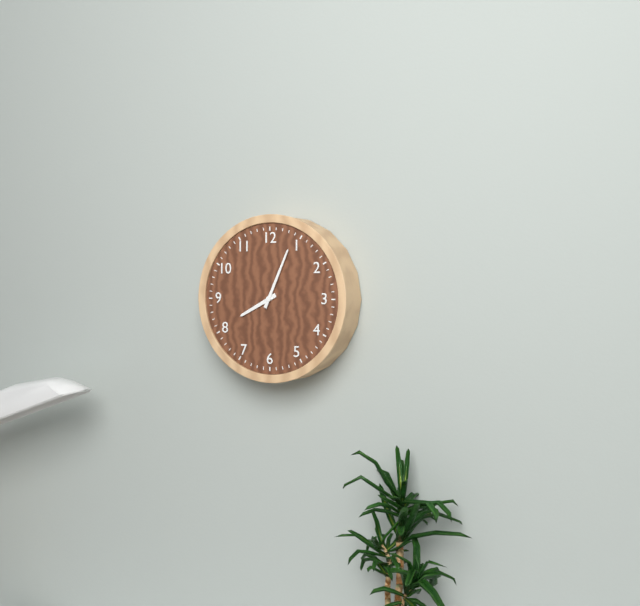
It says 8:04
